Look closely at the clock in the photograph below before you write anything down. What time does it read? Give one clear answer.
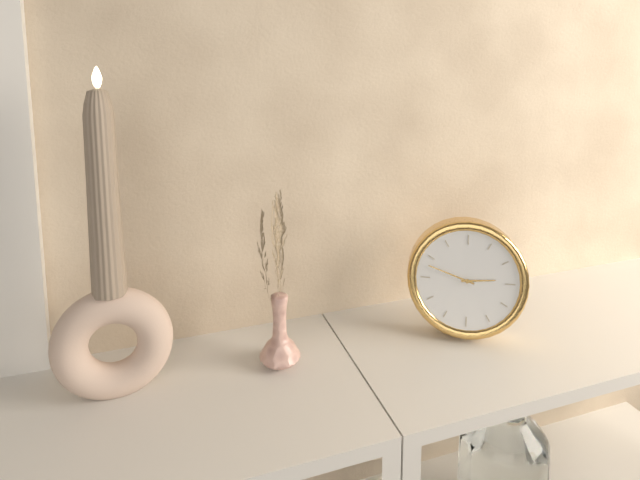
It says 2:48
